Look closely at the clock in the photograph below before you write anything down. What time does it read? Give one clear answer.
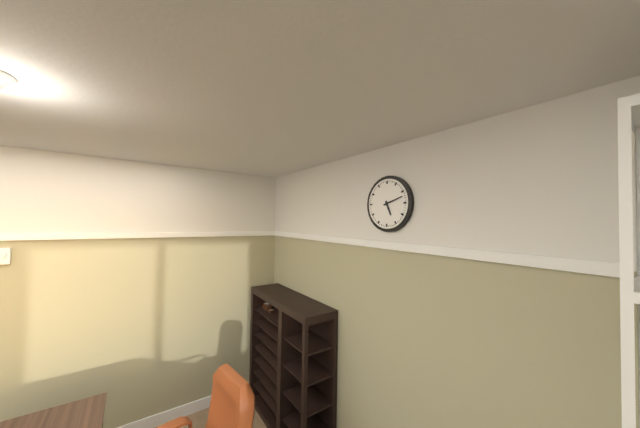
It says 5:12
